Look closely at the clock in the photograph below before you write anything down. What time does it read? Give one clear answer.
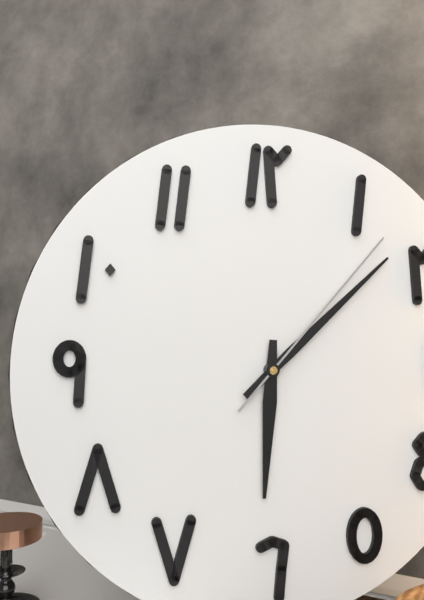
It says 6:08:07
